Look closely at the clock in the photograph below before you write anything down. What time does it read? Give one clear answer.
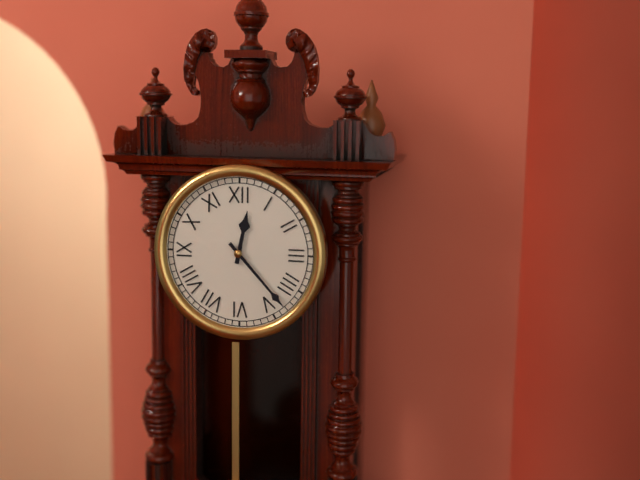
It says 12:23
